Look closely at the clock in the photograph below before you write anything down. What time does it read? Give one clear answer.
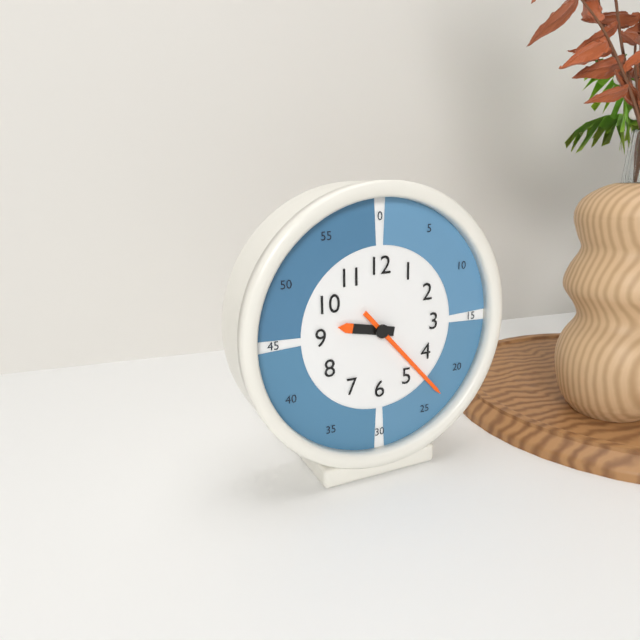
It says 9:23
